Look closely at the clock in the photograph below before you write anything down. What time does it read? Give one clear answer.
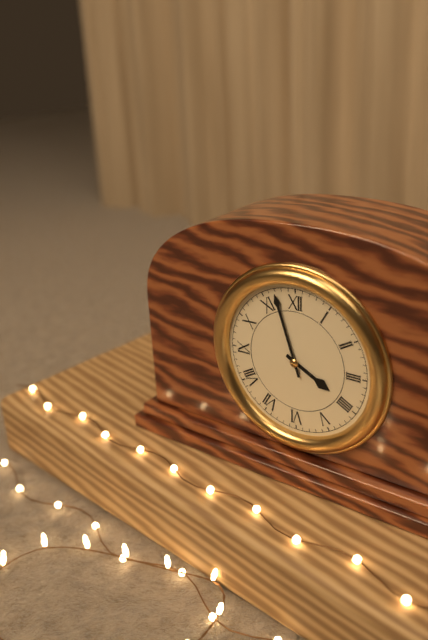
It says 3:57
